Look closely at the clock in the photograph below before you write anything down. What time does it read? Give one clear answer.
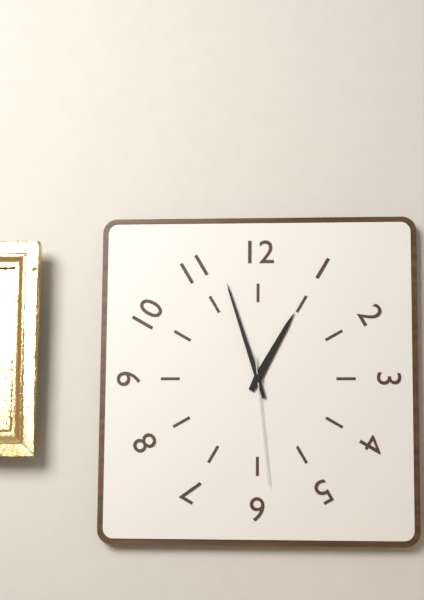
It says 12:57:29
